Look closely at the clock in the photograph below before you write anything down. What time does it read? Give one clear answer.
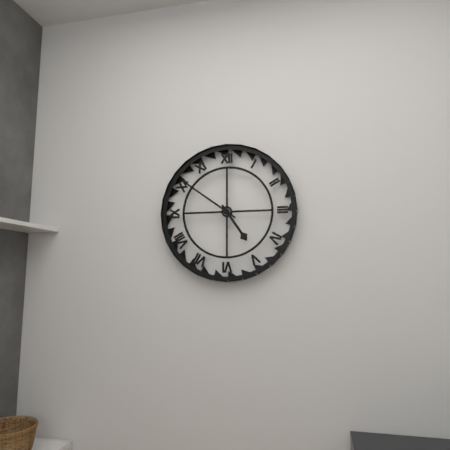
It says 4:51
